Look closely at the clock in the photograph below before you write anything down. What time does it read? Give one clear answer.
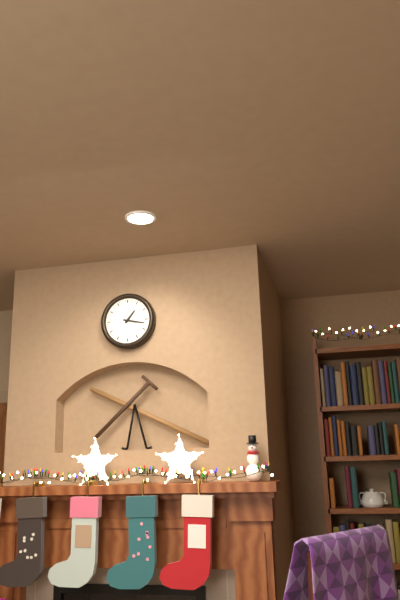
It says 1:17
